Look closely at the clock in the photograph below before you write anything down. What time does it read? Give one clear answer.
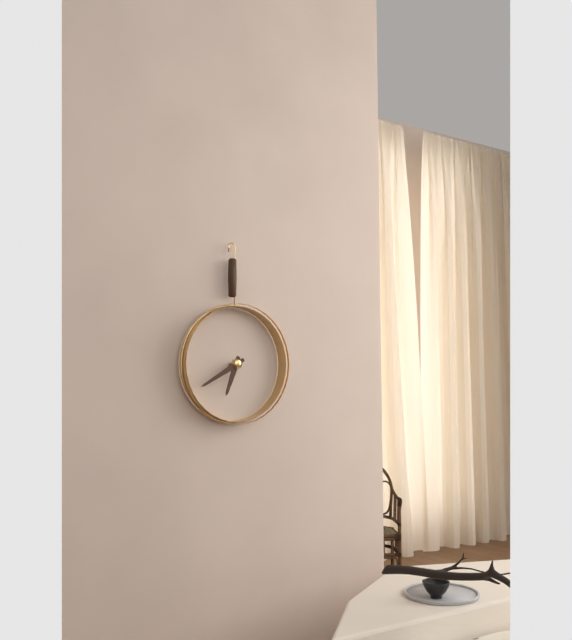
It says 6:40
